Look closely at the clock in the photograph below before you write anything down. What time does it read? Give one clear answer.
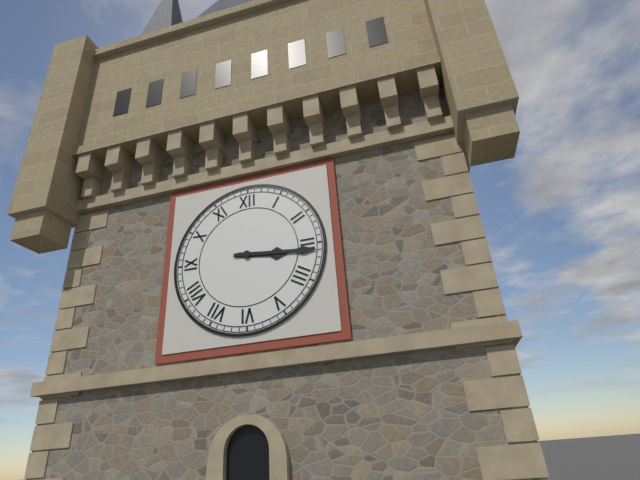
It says 3:16
